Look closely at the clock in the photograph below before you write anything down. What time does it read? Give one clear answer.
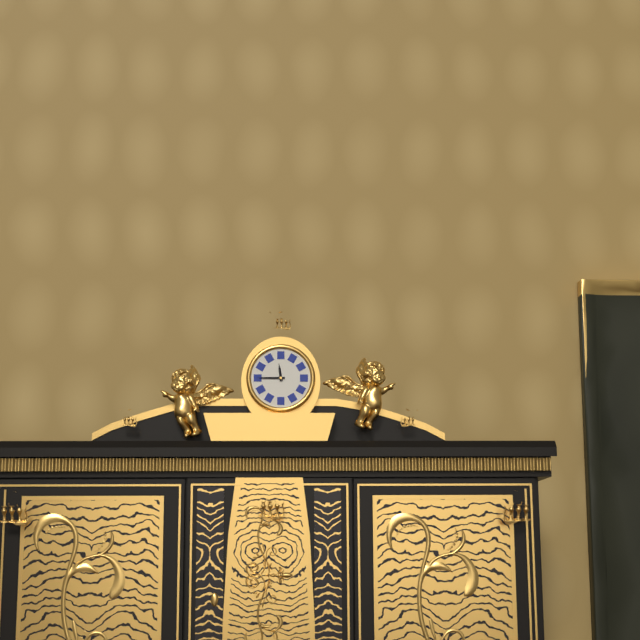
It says 11:45
